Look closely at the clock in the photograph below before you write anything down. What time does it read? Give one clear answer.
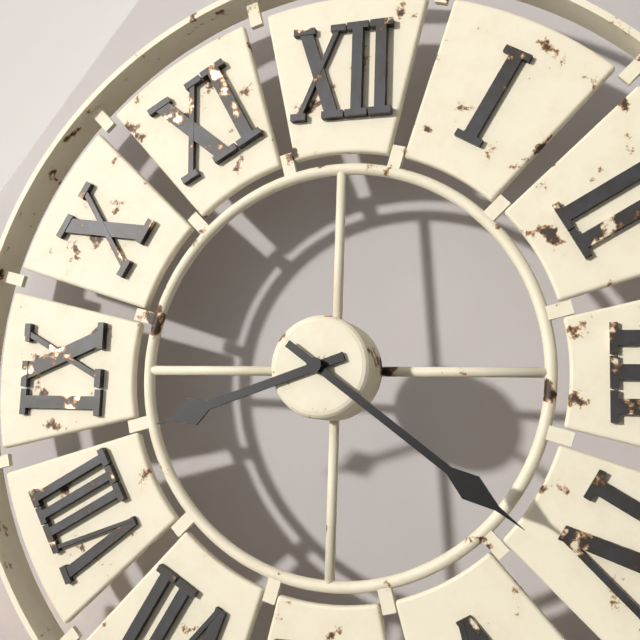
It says 8:21
